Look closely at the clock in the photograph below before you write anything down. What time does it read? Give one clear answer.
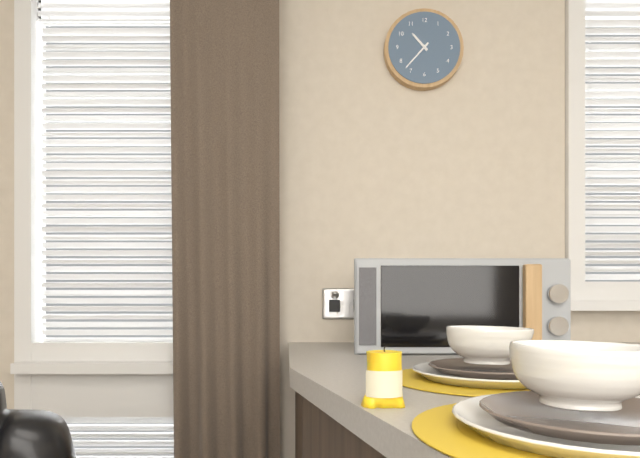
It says 10:37
